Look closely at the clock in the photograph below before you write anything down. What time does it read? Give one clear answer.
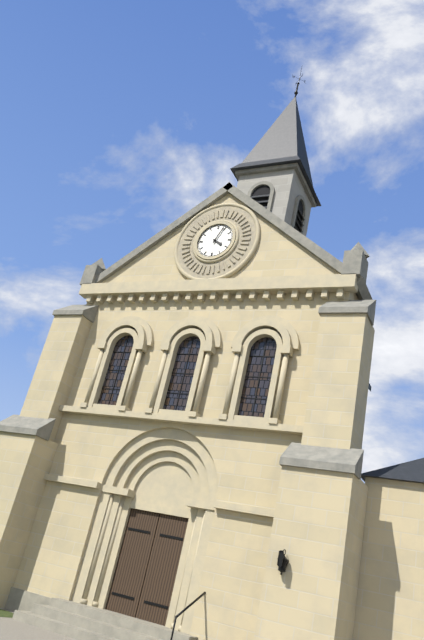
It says 4:04
